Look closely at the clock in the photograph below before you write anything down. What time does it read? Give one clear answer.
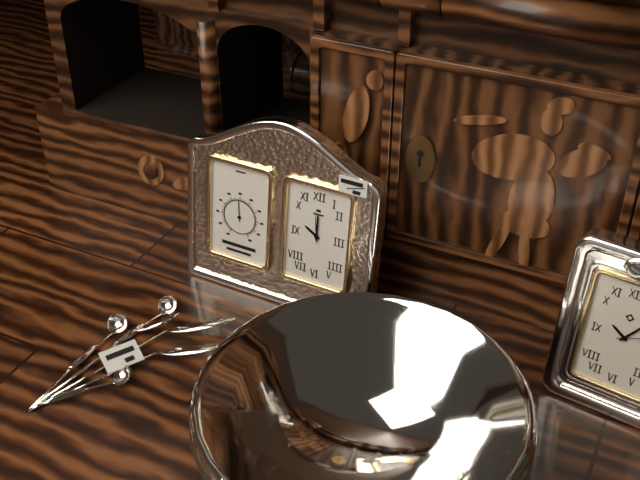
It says 10:00
